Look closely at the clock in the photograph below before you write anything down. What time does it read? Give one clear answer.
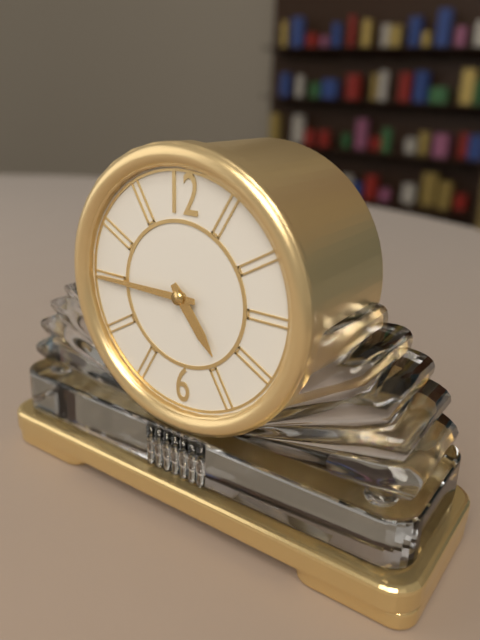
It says 4:45
